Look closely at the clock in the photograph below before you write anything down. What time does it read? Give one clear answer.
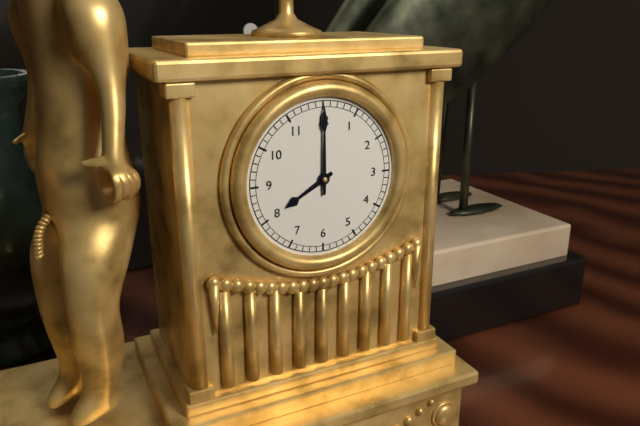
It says 8:00
